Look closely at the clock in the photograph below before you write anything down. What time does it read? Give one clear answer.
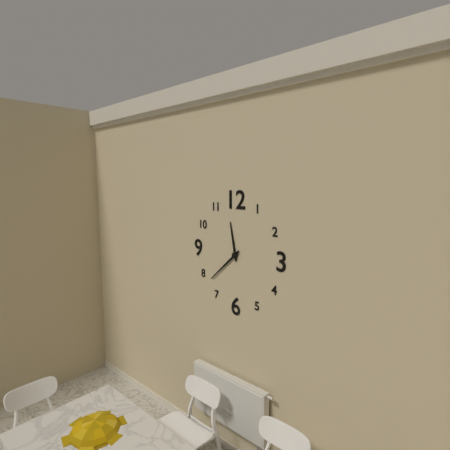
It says 11:38
